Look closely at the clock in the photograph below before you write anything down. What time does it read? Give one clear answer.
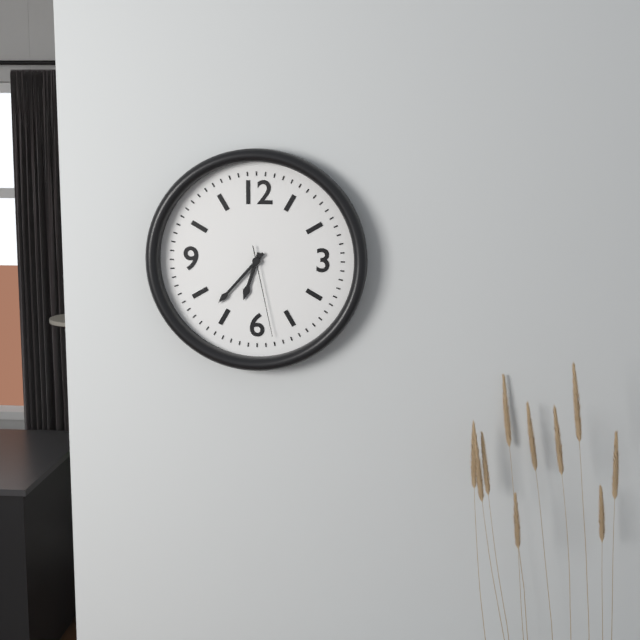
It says 6:37:28
